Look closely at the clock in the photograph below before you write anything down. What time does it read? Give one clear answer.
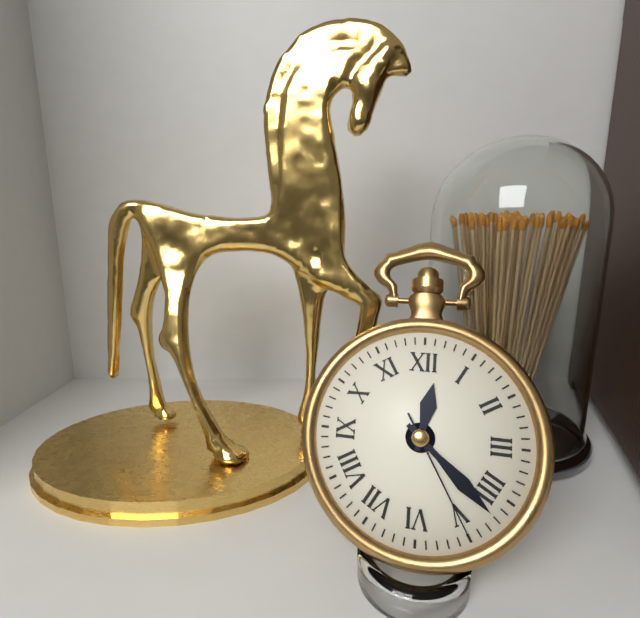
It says 12:22:25
